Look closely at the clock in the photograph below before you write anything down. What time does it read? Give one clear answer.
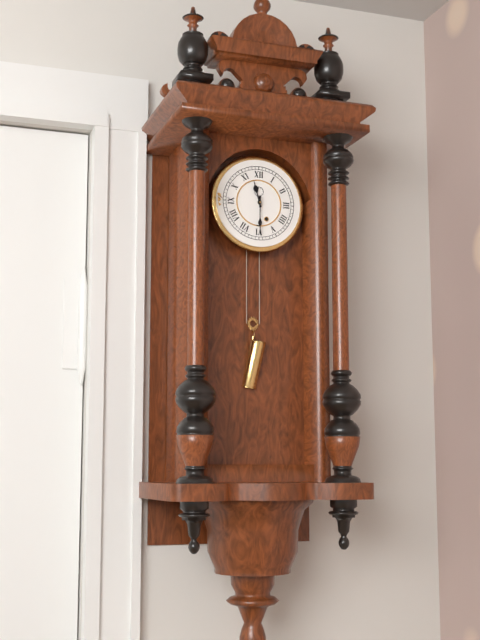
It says 11:30
